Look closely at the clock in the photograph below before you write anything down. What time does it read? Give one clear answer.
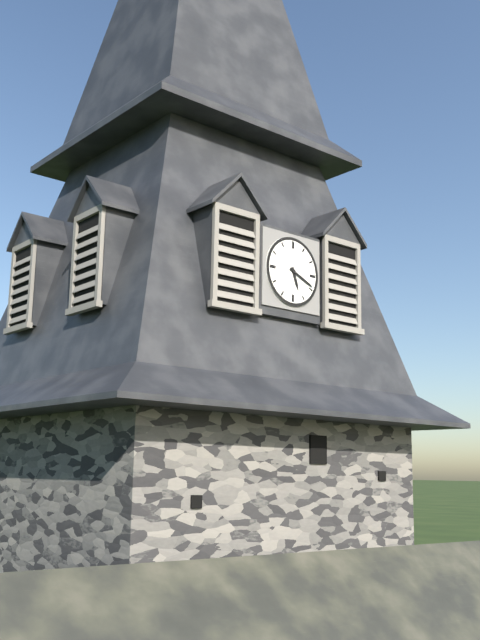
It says 5:19
